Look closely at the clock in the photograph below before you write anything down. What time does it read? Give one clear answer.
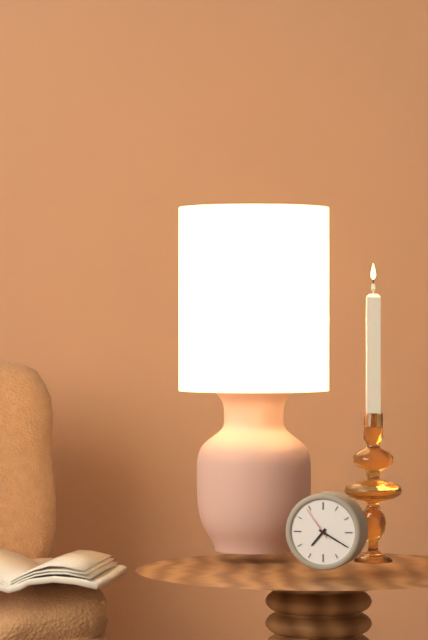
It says 7:20
